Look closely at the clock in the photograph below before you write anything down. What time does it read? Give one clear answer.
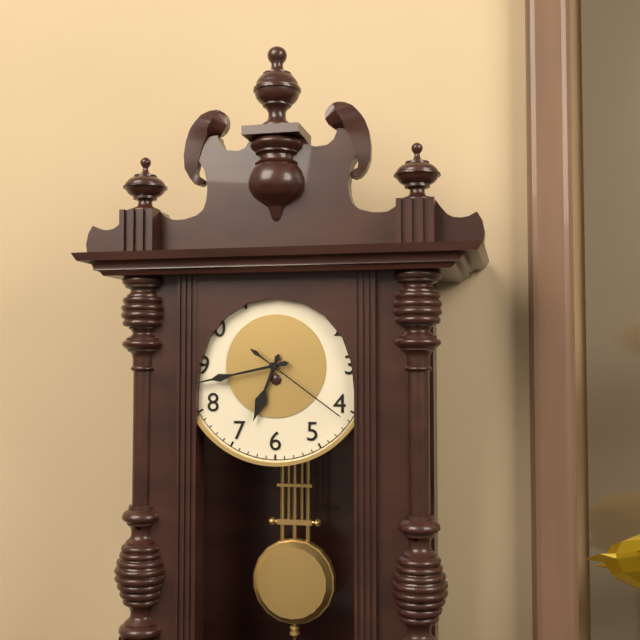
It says 6:43:21
